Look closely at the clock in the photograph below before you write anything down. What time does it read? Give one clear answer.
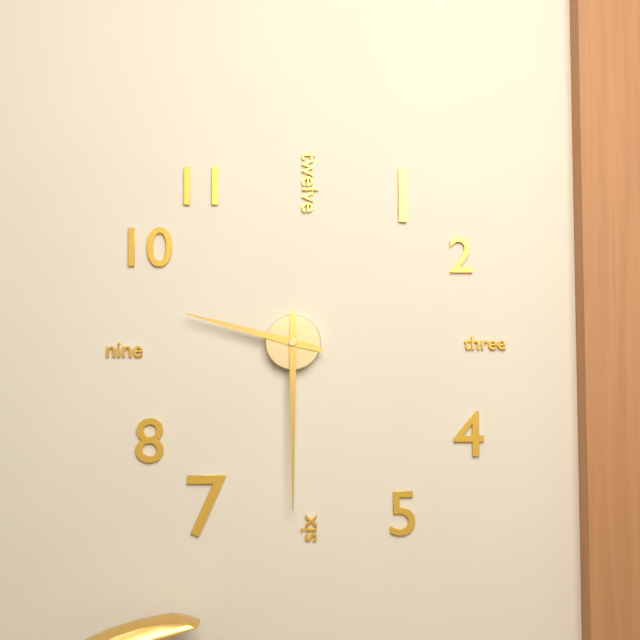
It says 9:30
